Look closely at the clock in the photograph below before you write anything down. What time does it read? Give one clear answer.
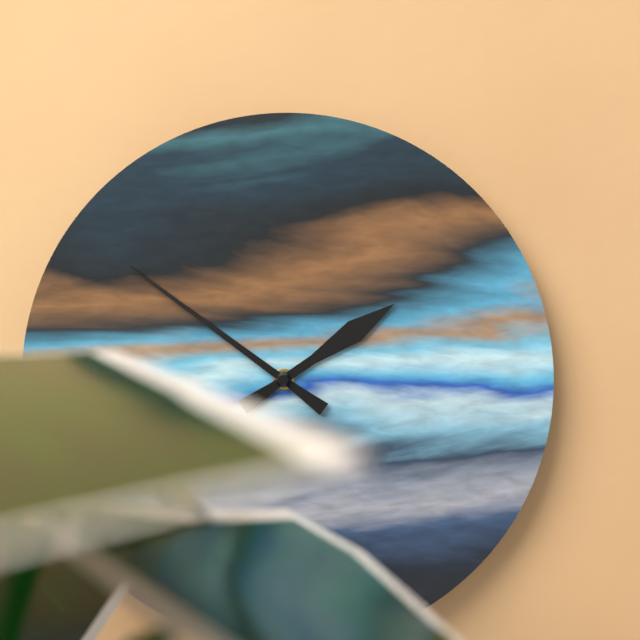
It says 1:51
